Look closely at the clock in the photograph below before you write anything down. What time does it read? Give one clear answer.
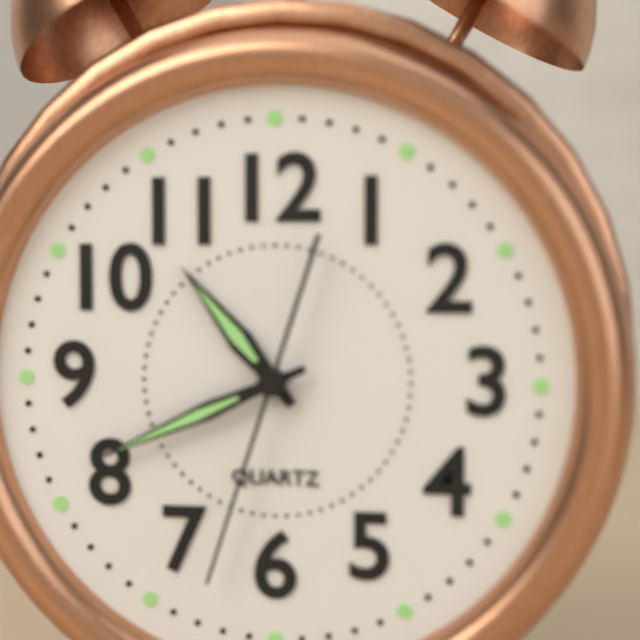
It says 10:41:33
